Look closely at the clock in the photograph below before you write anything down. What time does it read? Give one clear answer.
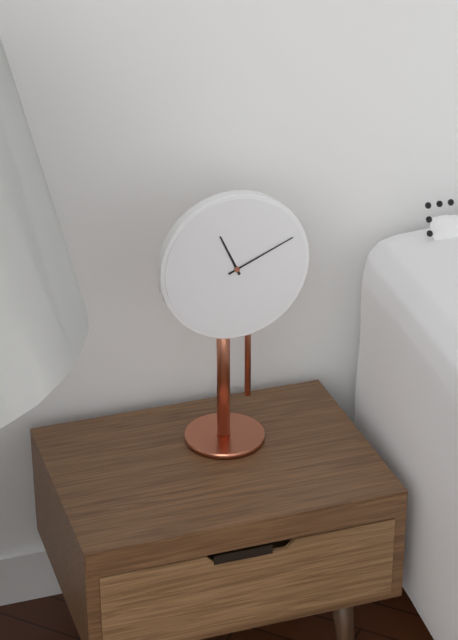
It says 11:11
